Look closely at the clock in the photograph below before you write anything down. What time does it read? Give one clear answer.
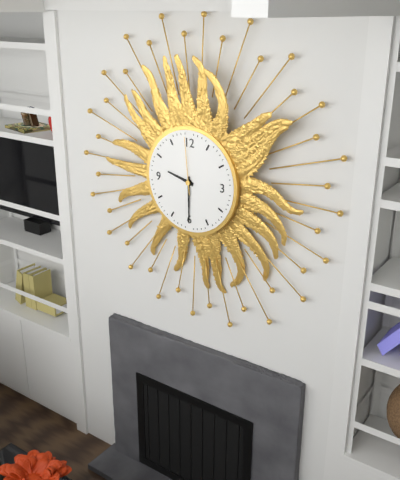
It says 9:30:59
